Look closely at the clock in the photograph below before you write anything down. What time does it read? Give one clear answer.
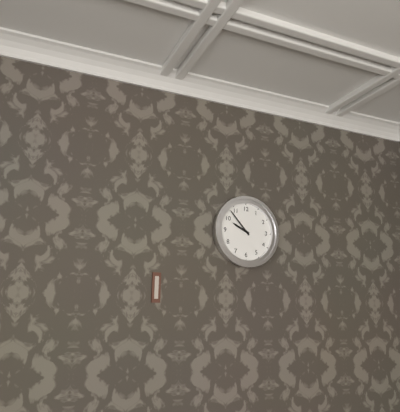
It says 9:53
